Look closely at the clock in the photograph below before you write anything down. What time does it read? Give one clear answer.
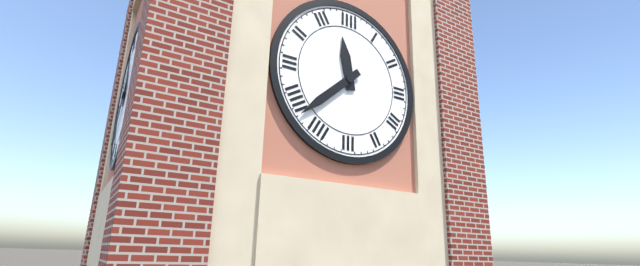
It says 11:38
